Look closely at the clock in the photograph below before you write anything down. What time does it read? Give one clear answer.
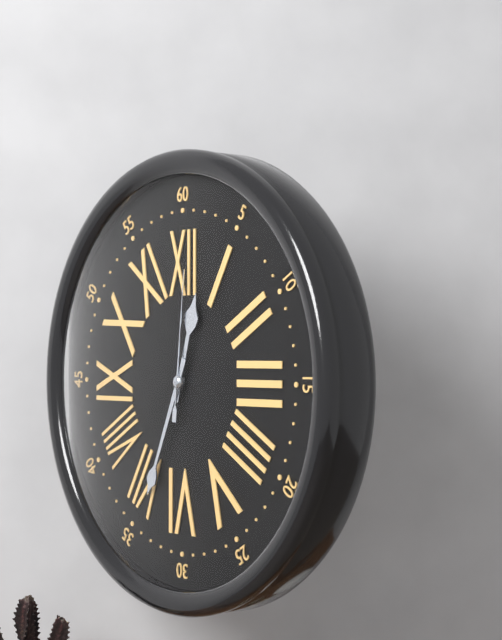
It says 12:34:01
